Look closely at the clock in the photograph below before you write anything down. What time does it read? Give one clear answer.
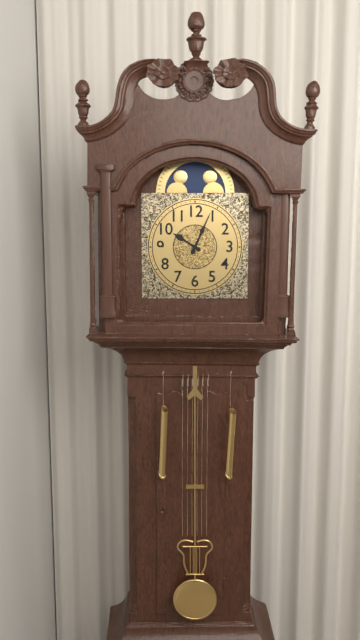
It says 10:04
